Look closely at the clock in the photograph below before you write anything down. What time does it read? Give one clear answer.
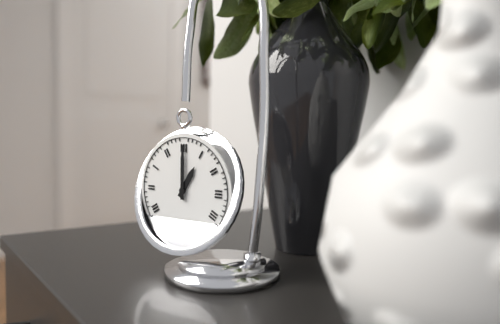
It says 1:00
